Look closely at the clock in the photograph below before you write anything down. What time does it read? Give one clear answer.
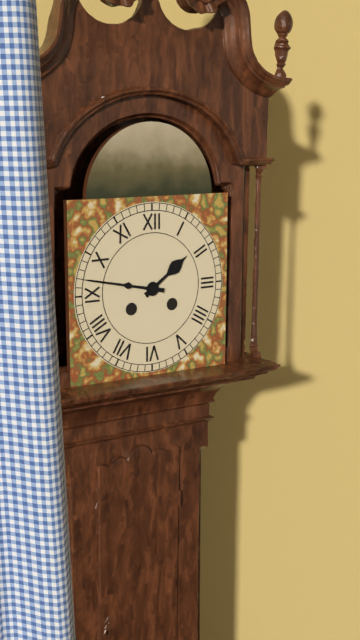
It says 1:47
